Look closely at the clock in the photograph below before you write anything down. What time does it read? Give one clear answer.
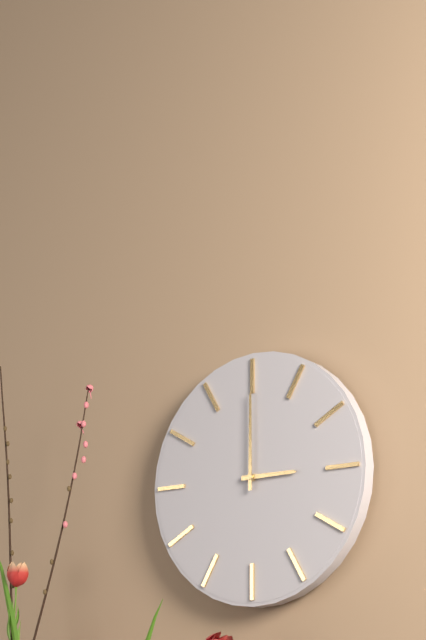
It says 3:00
